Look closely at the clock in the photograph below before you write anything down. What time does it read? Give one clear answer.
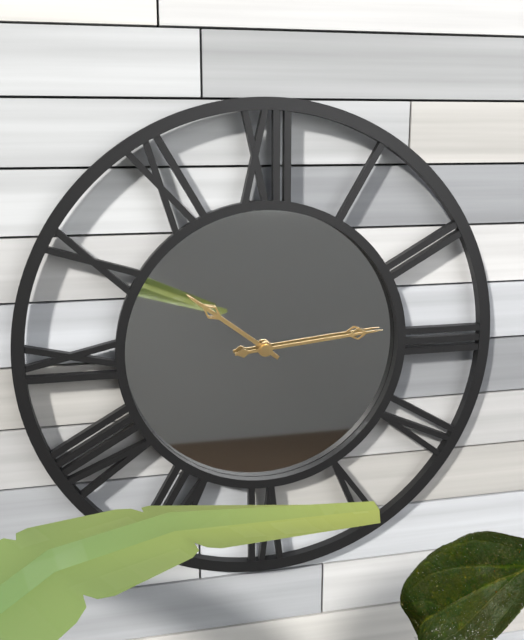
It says 10:14
